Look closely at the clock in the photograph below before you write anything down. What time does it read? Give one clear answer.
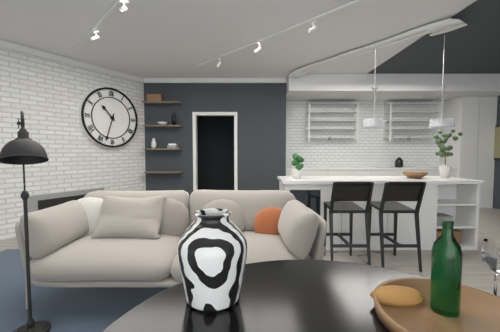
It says 10:33
